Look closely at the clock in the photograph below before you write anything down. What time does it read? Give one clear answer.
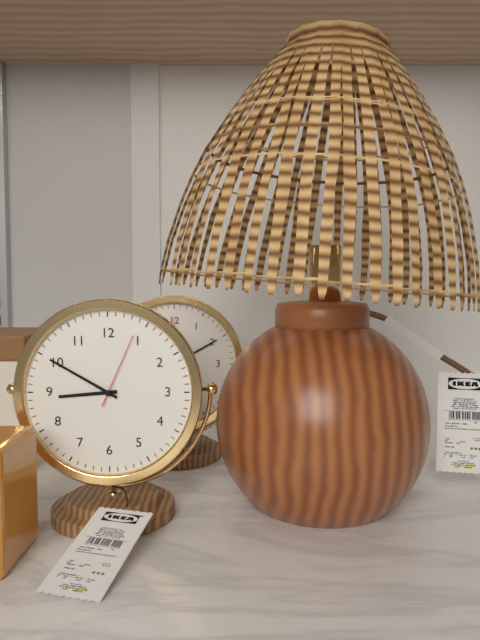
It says 8:50:04
